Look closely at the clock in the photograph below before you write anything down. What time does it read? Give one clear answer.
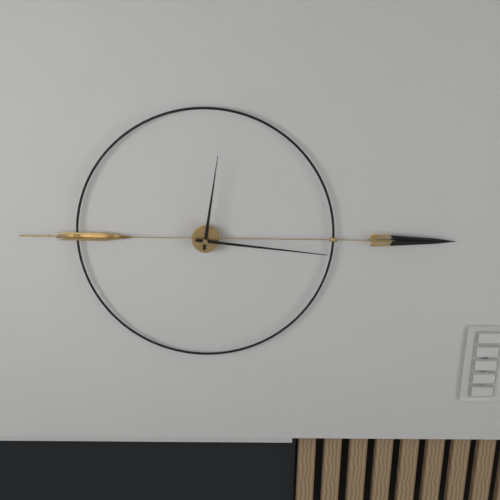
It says 12:16
